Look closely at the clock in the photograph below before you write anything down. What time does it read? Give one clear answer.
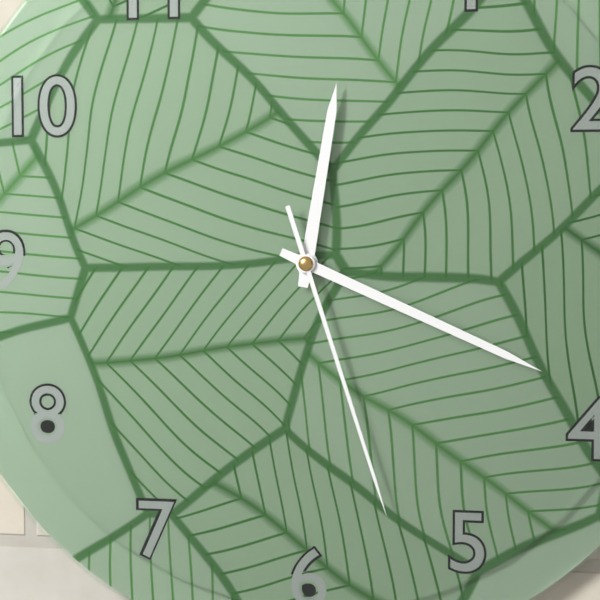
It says 12:19:27
